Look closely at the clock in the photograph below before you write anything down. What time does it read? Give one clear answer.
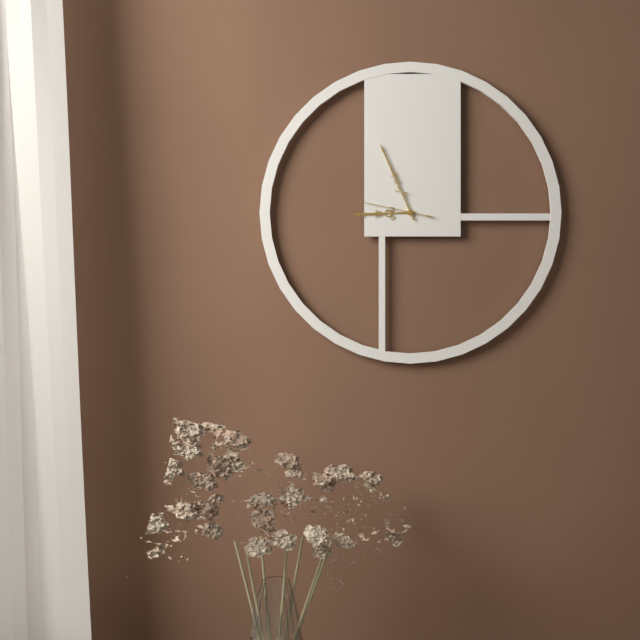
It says 8:56:47
